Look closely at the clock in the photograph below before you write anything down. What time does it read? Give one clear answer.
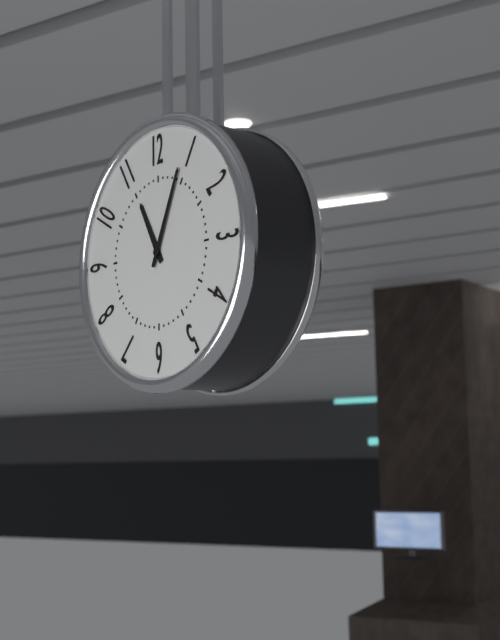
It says 11:04
